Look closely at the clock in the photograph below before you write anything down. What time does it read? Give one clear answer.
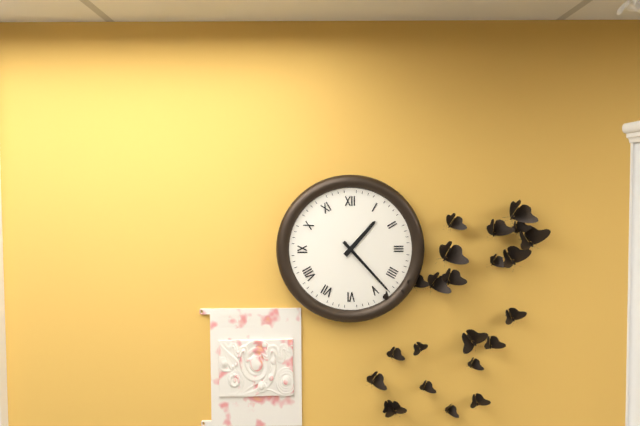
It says 1:23
